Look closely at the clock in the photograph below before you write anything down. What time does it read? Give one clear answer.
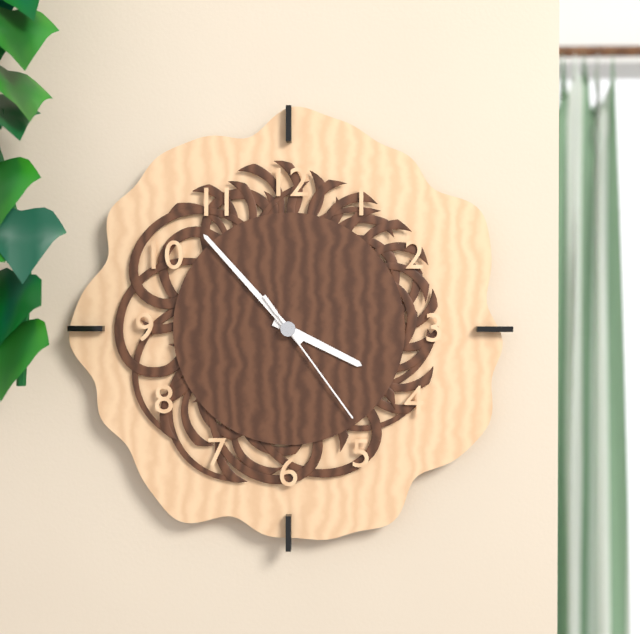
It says 3:53:24
